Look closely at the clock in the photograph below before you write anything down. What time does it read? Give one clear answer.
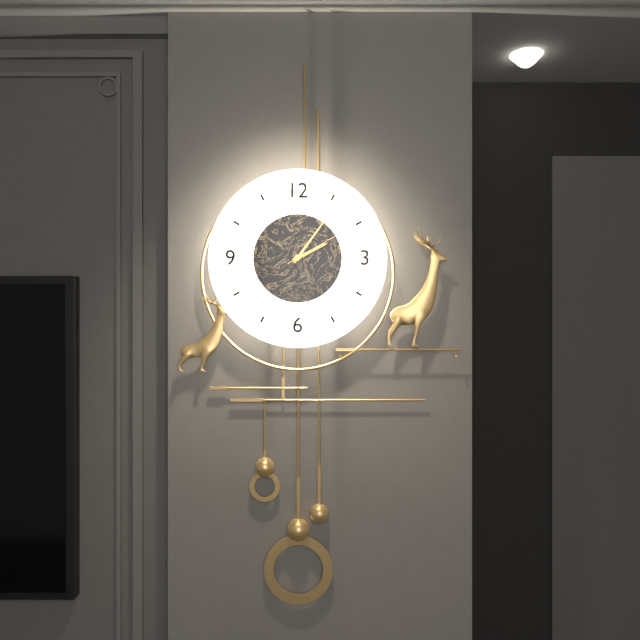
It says 2:06:10
